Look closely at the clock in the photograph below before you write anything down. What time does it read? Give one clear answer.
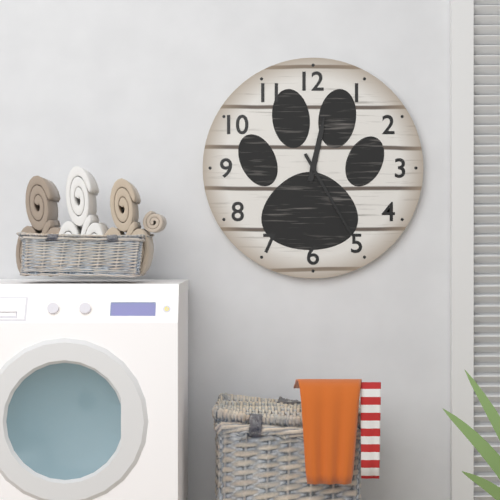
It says 12:25
